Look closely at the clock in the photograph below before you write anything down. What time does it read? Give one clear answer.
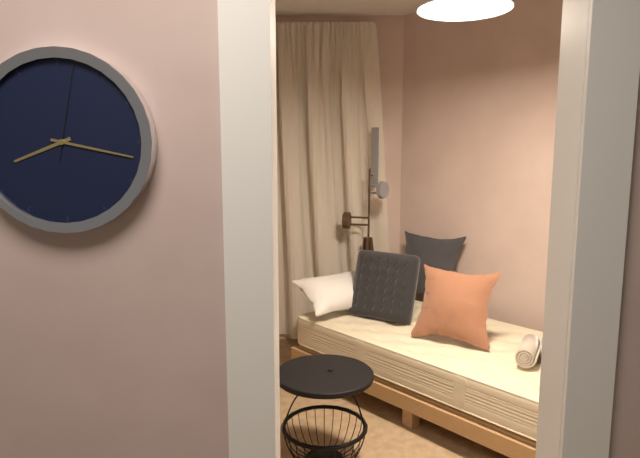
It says 8:17:02
